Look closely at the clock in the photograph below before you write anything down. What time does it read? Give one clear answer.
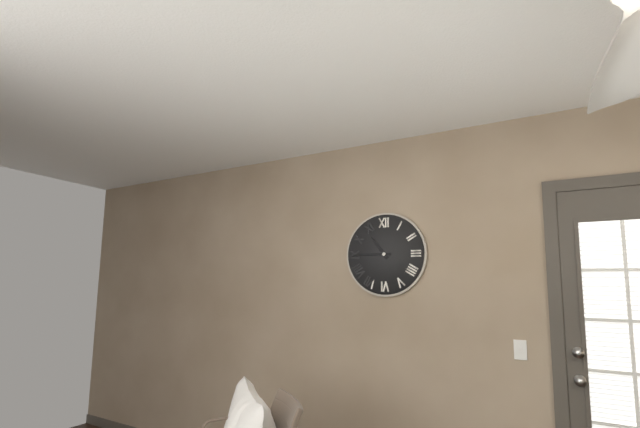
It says 10:45
